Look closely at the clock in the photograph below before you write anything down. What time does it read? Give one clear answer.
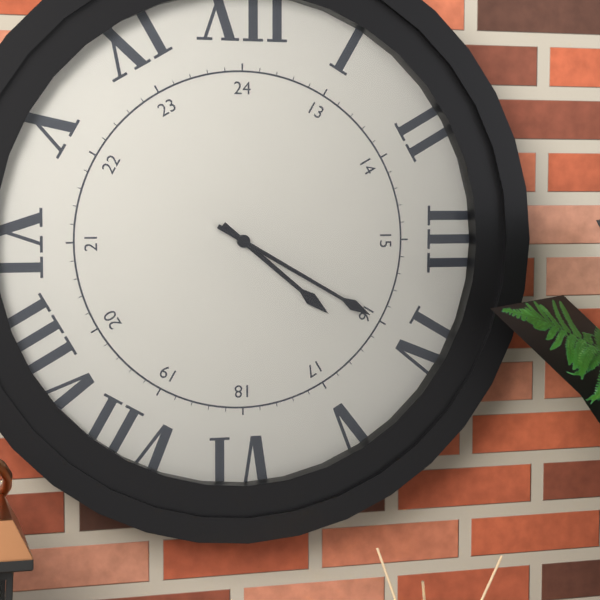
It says 4:20
